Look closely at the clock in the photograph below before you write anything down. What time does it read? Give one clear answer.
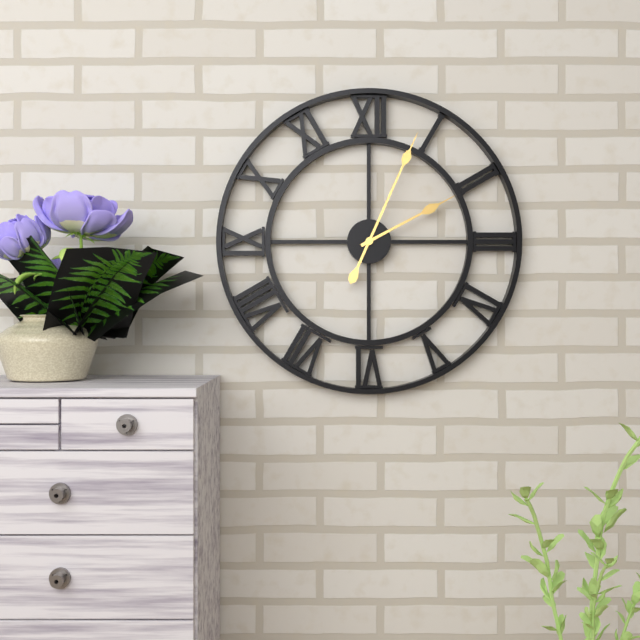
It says 2:04
